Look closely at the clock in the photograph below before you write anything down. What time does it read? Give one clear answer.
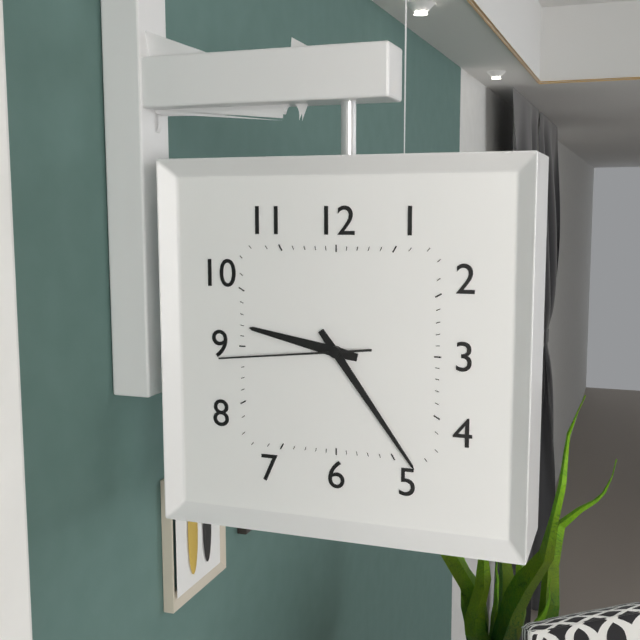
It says 9:24:44
